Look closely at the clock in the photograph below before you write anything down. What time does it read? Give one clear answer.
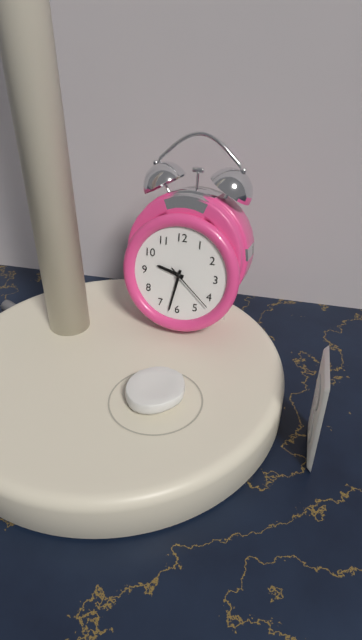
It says 9:32:22
